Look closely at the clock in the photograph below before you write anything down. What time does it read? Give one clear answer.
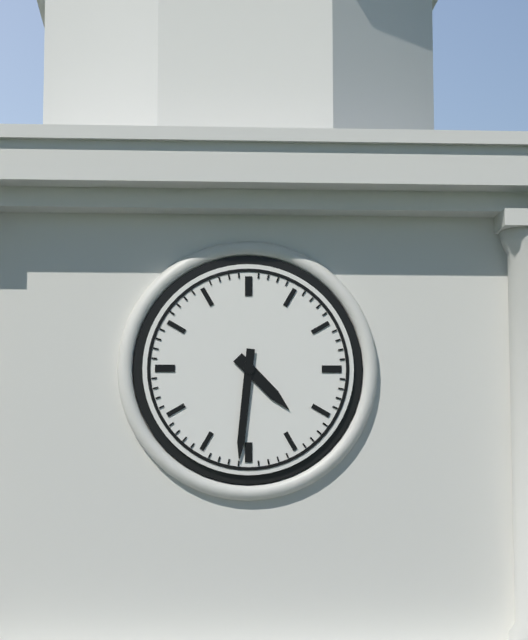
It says 4:31
